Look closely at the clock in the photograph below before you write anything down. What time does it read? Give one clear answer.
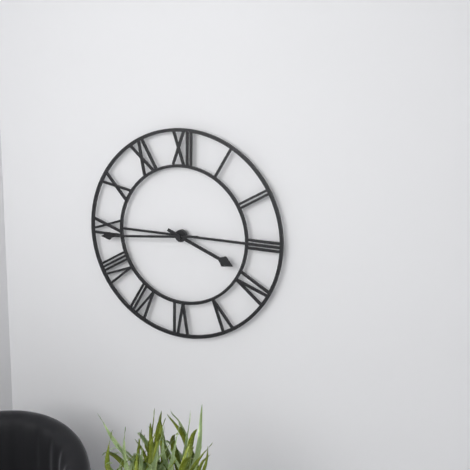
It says 3:44
